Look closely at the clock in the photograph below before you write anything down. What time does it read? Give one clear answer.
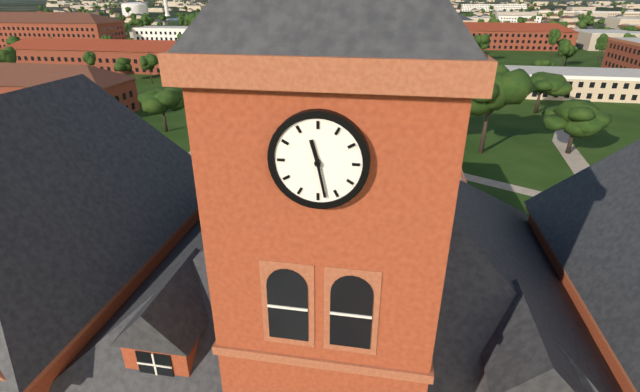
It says 11:28
